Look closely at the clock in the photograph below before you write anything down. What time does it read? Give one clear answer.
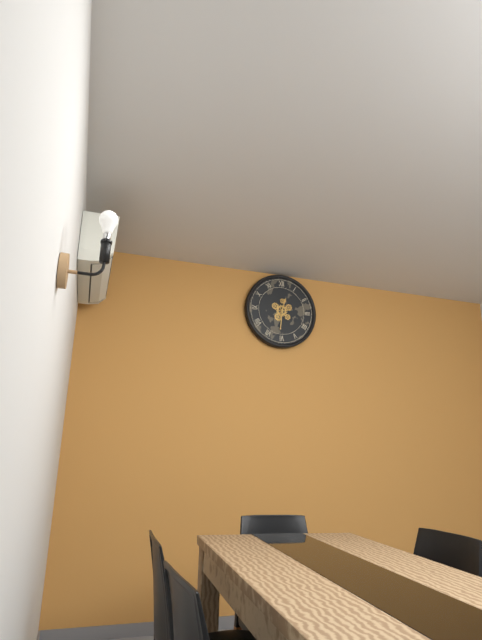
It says 12:31
